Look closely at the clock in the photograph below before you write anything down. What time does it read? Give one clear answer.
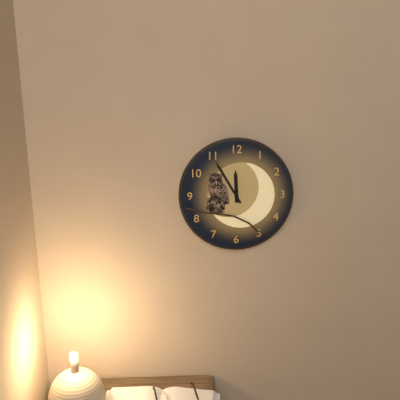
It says 11:55
